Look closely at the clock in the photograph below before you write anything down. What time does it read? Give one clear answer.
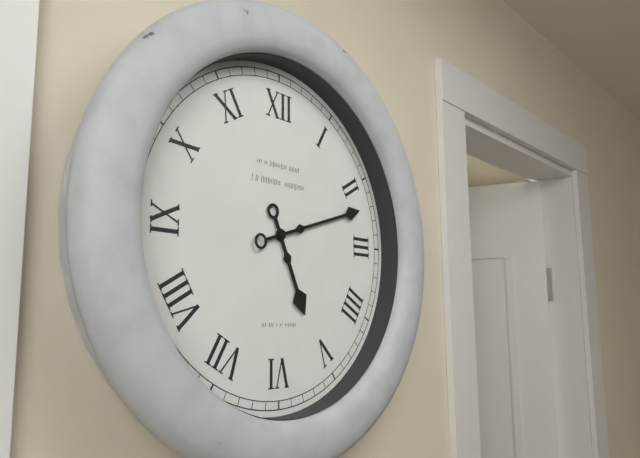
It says 5:12
